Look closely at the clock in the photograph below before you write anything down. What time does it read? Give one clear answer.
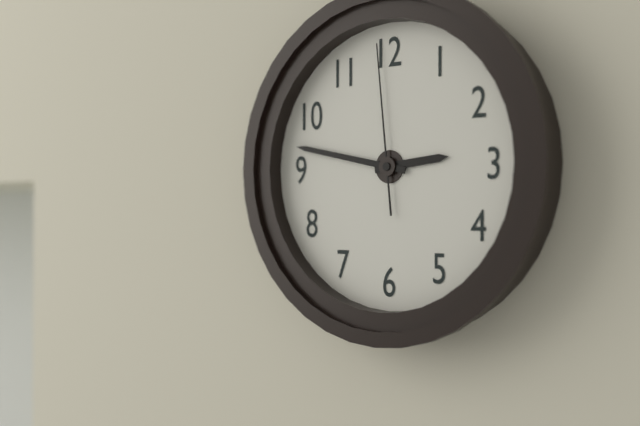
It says 2:47:59
